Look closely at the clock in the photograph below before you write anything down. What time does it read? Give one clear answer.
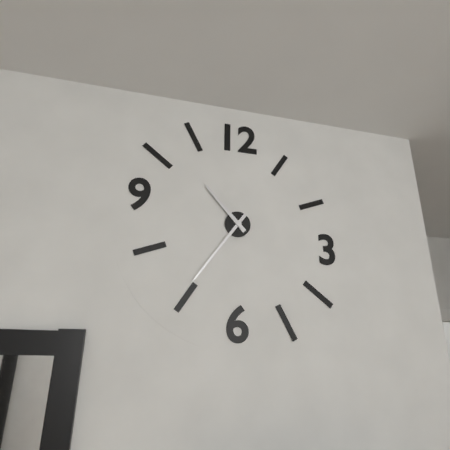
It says 10:36
